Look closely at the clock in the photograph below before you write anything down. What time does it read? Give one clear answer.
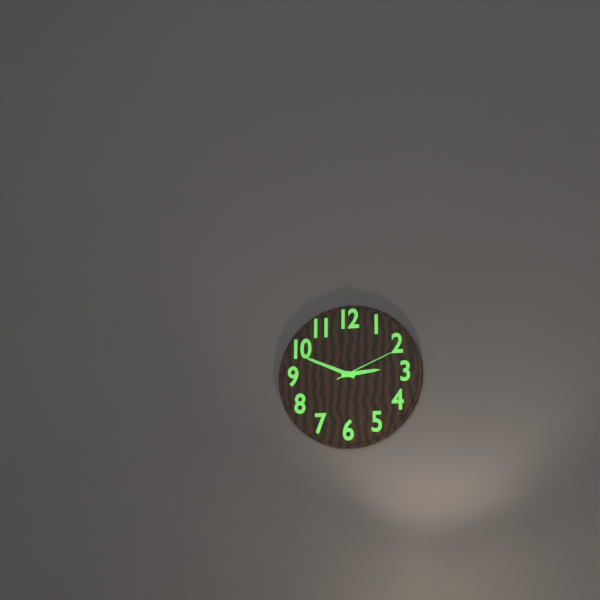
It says 2:49:11
